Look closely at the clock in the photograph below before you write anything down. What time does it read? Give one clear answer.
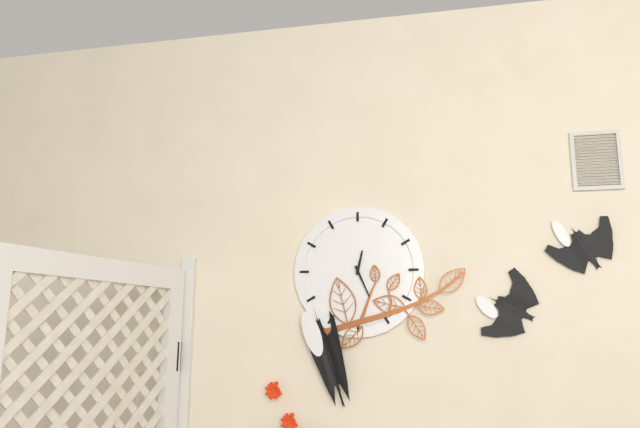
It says 12:26
